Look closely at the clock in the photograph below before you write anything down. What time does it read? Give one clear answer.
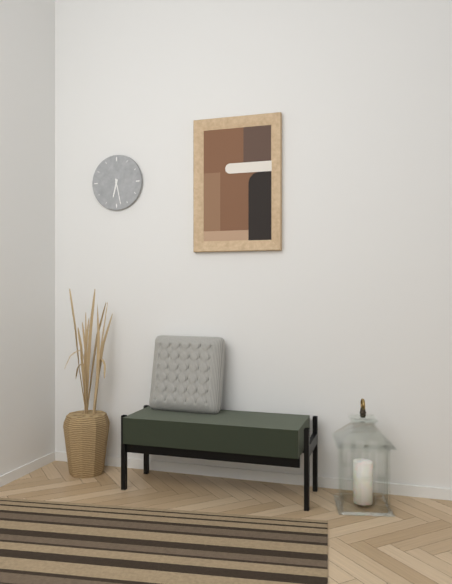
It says 6:28
